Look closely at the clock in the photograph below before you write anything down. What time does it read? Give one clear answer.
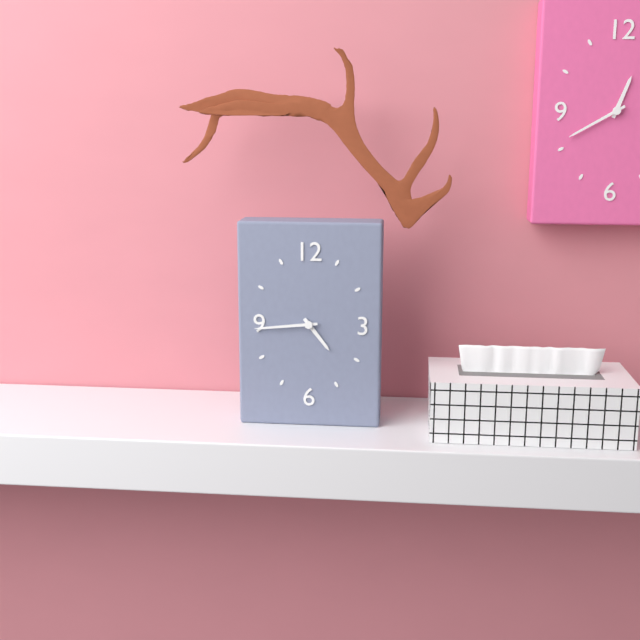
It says 4:44
